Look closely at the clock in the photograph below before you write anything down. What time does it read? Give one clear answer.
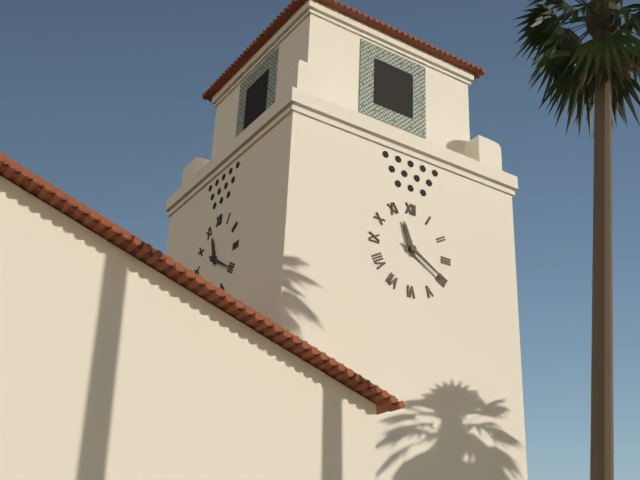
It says 11:20
